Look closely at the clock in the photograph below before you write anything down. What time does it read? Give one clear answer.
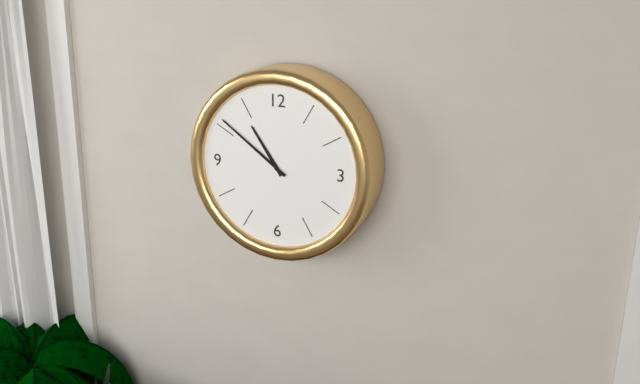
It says 10:51
